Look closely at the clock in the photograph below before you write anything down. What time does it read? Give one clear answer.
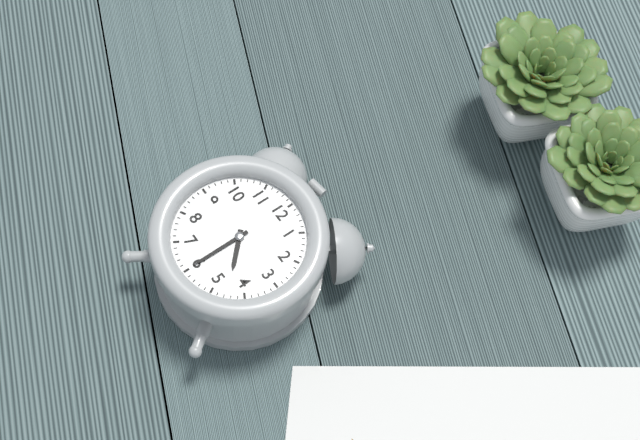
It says 4:30
